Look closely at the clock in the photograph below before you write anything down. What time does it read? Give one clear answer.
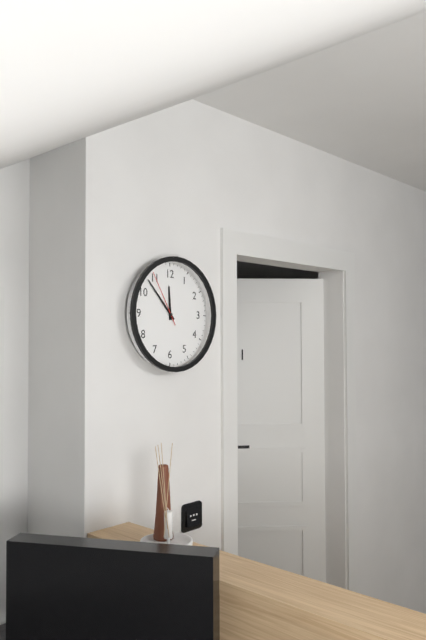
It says 11:53:55
